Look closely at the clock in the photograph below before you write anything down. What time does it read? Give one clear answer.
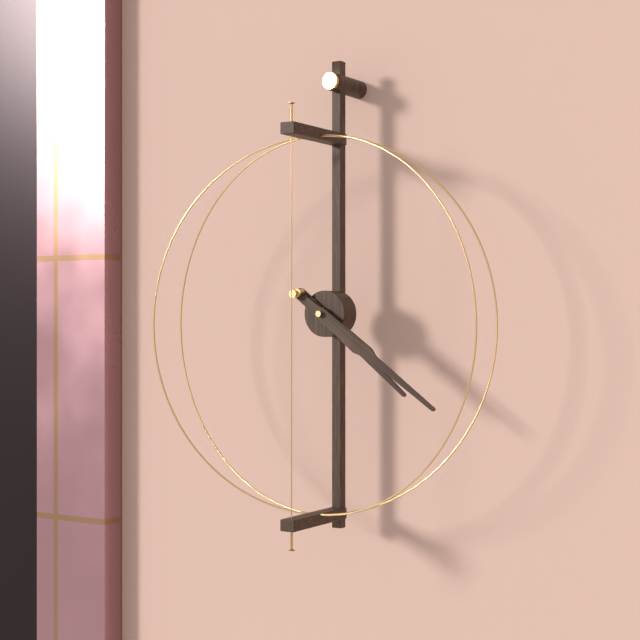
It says 4:21
